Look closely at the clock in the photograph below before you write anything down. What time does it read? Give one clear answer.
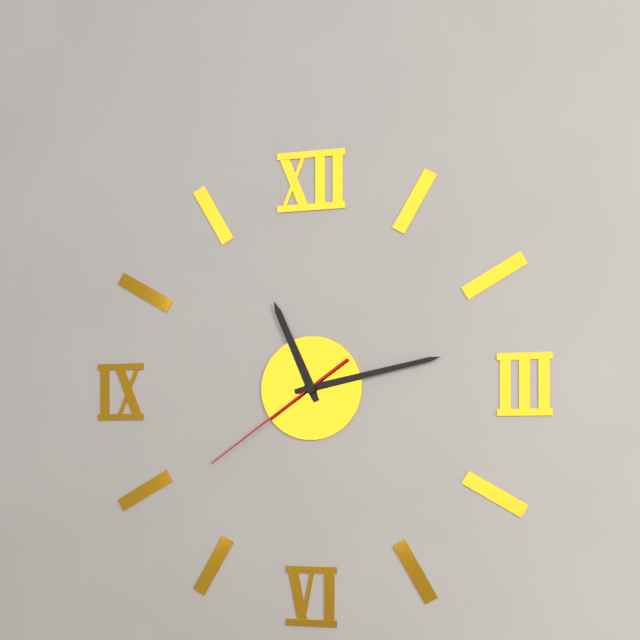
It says 11:13:39
